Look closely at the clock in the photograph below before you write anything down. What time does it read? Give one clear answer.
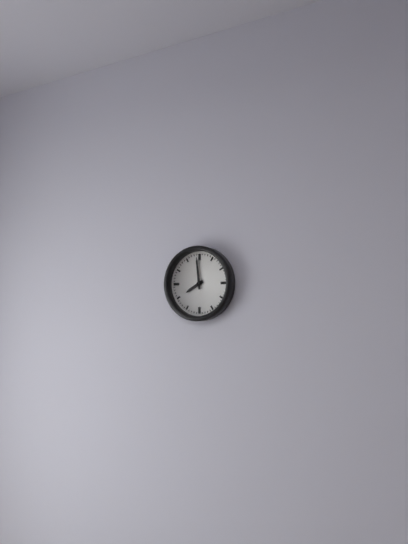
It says 7:59
